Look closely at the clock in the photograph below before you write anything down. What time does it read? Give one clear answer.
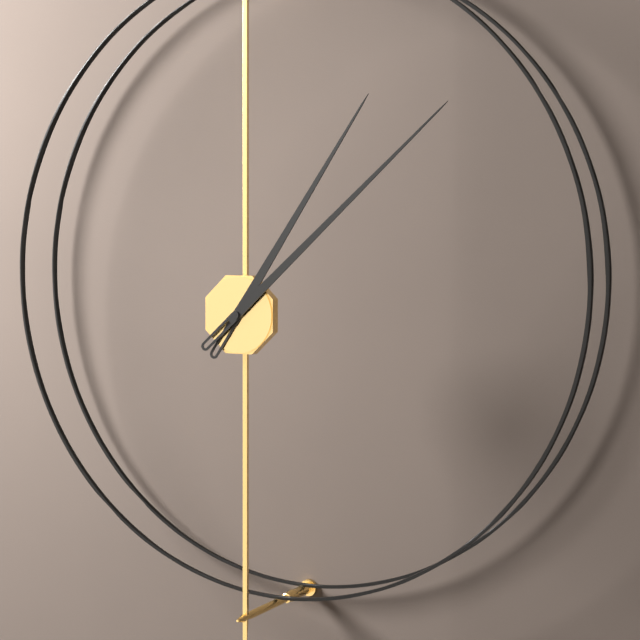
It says 1:08
